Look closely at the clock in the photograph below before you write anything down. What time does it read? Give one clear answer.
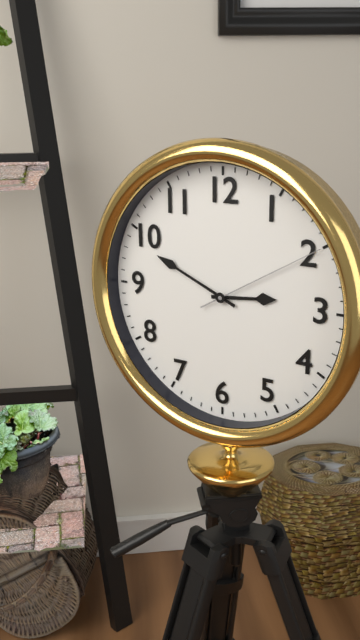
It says 2:49:10
